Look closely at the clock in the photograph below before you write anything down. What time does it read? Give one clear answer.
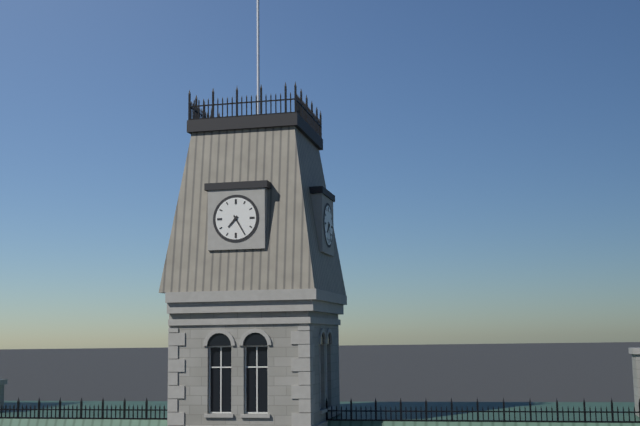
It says 7:25
